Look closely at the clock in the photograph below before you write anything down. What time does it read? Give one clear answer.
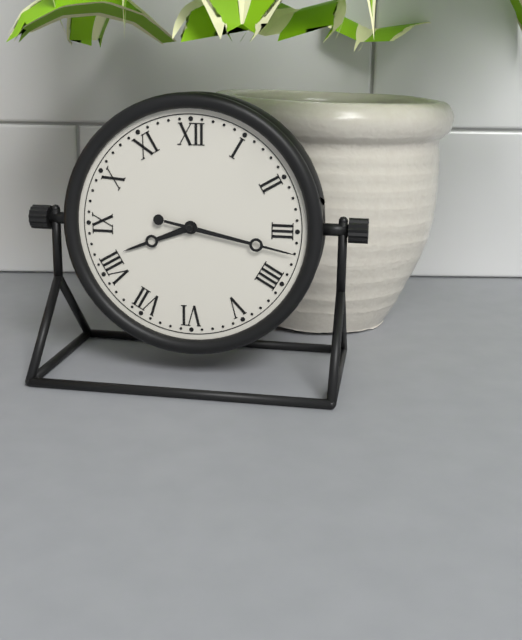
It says 8:17
